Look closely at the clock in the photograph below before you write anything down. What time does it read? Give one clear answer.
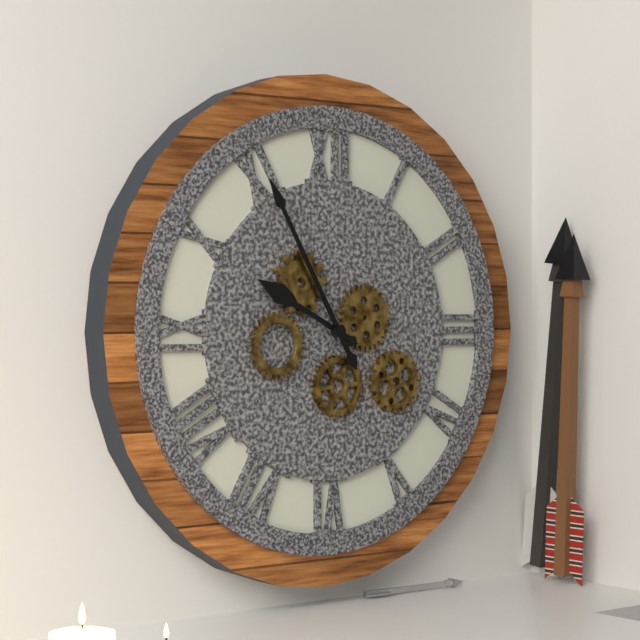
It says 9:55
